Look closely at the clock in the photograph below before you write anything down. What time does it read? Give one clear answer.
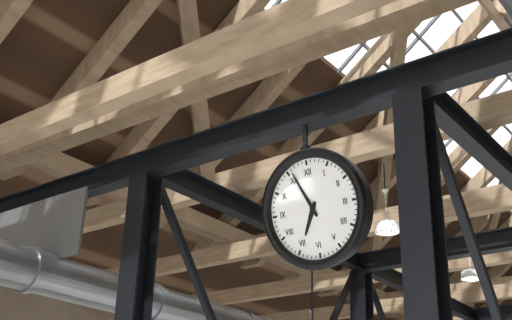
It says 6:56
